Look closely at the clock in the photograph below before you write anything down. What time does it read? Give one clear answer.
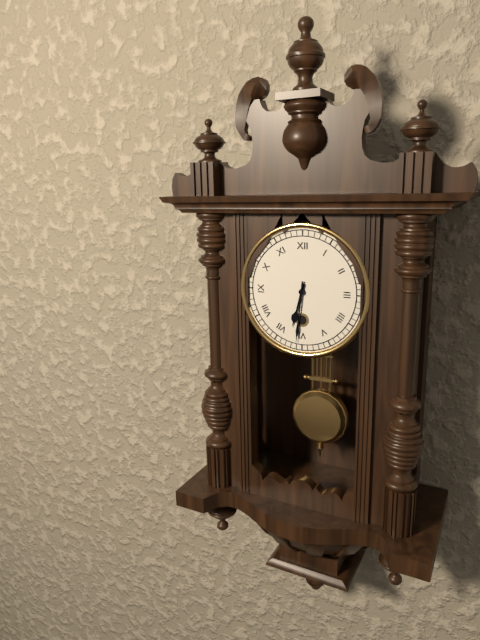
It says 6:31
